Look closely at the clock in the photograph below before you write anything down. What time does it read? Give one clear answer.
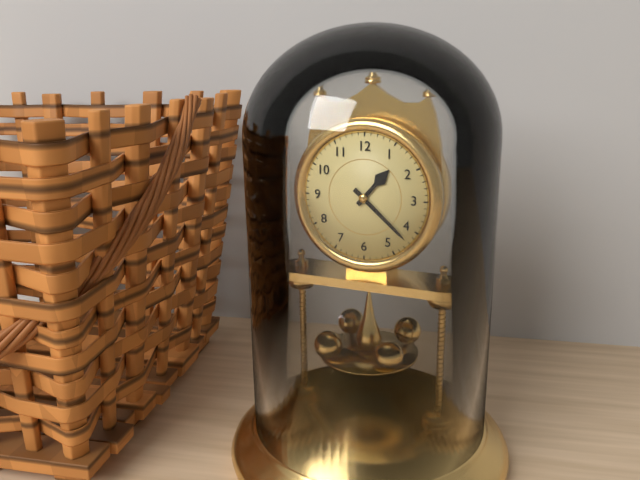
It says 1:22
